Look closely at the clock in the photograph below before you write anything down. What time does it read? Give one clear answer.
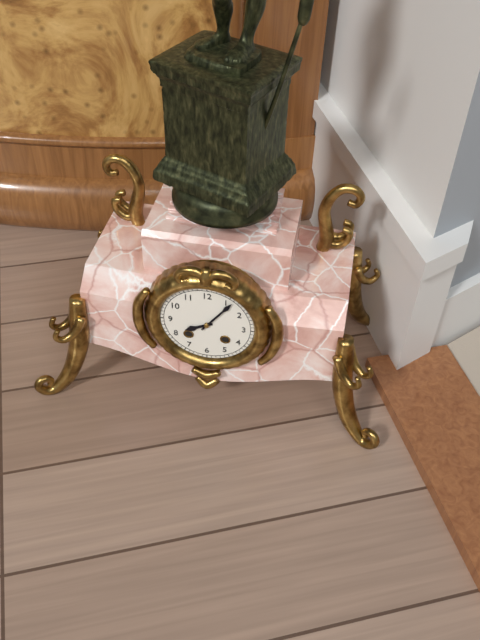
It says 8:06
